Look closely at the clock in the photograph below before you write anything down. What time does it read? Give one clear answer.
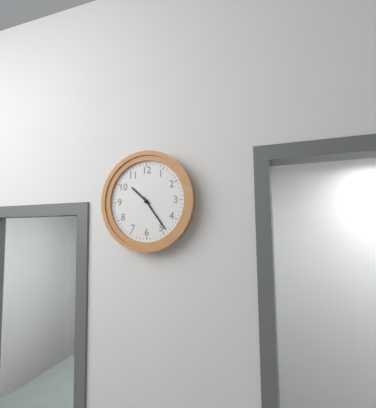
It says 10:24
